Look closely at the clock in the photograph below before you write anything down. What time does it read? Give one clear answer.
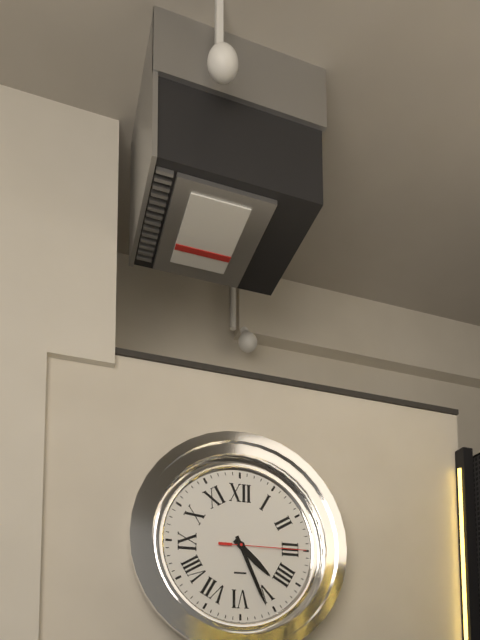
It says 4:26:15
